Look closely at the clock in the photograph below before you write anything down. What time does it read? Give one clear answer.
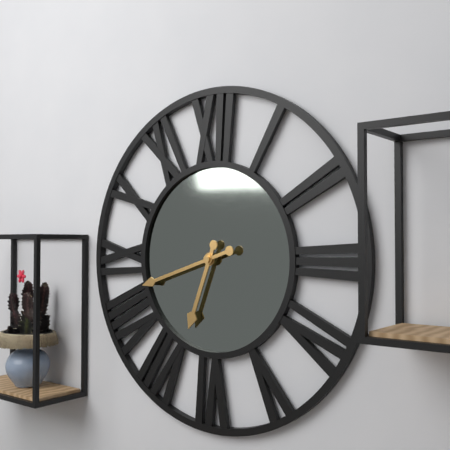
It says 6:42
